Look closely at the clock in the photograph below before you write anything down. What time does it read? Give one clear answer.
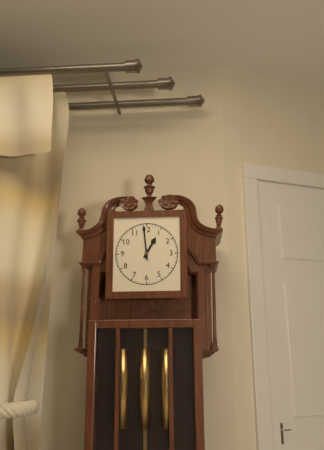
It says 12:59
